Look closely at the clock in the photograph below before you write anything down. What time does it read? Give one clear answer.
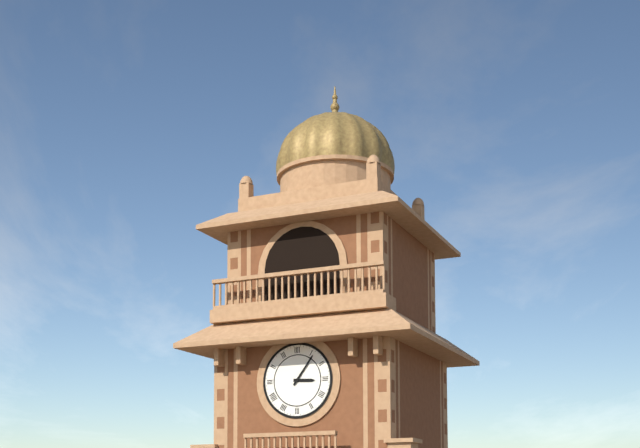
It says 3:06
